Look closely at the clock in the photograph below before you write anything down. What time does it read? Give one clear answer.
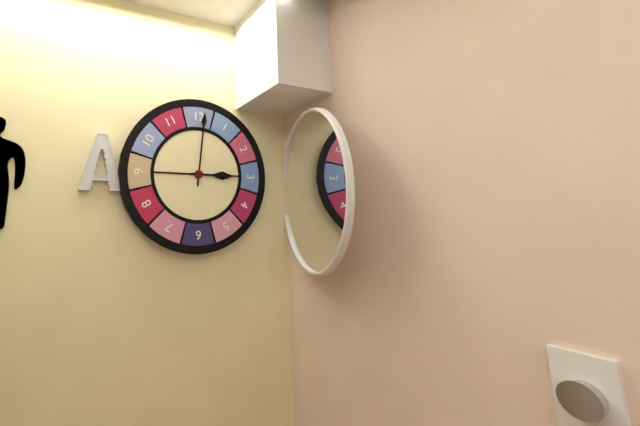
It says 3:01
